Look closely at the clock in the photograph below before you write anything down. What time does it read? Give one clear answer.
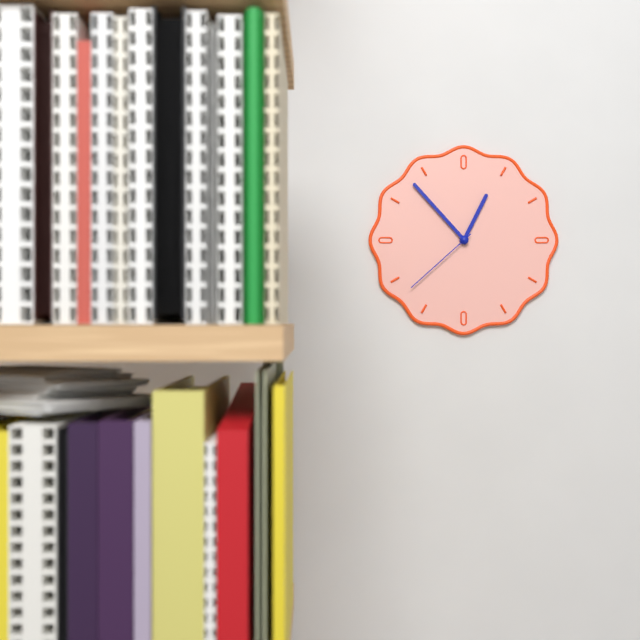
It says 12:53:38
